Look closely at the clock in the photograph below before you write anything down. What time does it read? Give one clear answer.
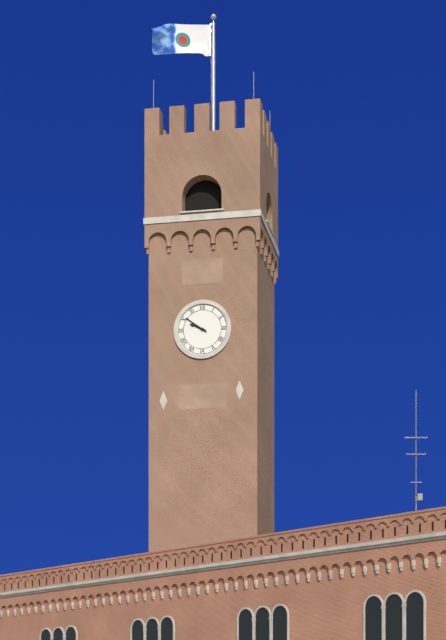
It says 9:51
